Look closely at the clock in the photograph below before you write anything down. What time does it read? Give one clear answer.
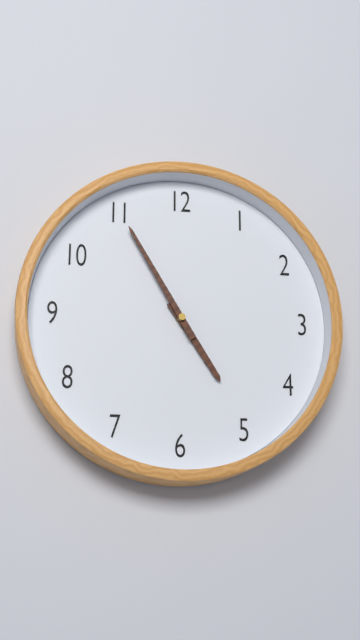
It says 4:55
